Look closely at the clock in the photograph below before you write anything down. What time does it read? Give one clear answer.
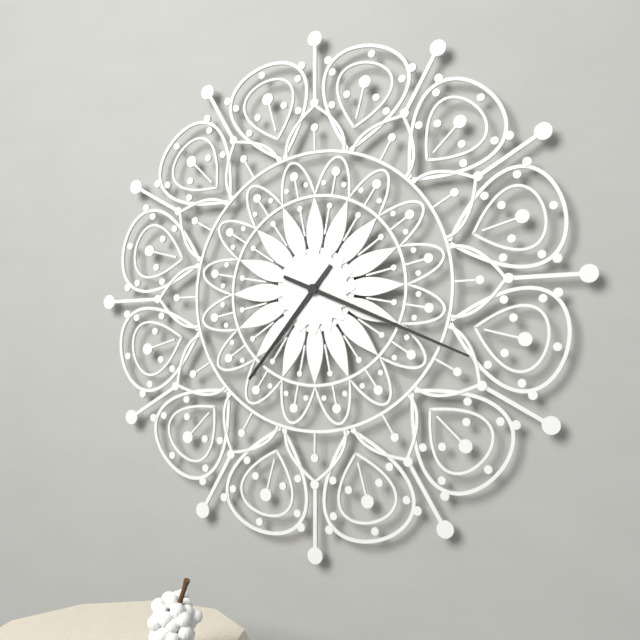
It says 7:19
